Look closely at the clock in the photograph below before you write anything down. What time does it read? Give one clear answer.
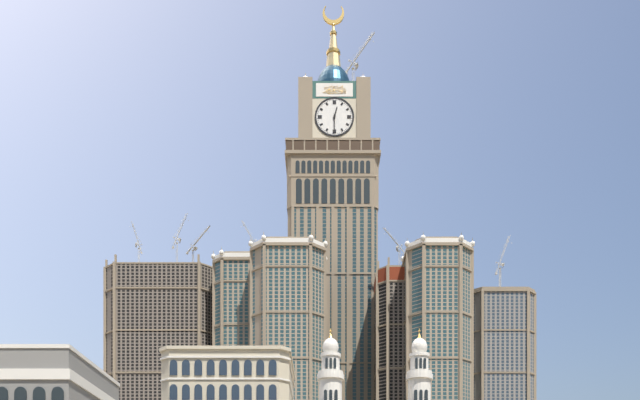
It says 12:30
